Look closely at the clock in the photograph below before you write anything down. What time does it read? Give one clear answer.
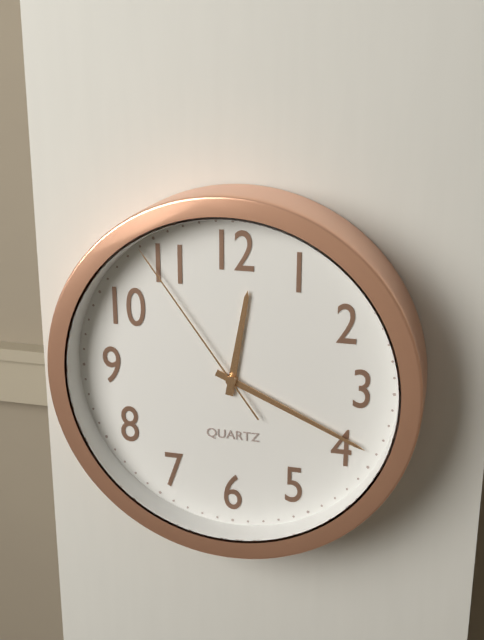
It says 12:19:54
